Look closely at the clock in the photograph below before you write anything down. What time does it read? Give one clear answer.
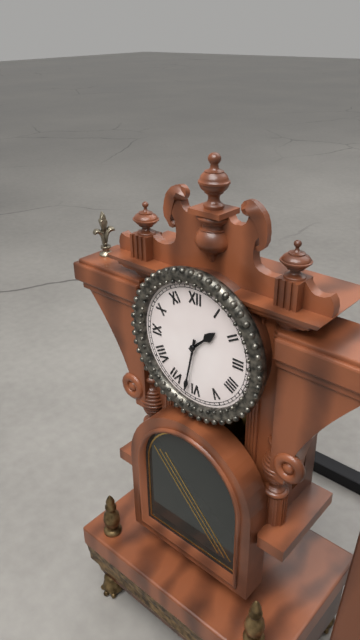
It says 1:32
